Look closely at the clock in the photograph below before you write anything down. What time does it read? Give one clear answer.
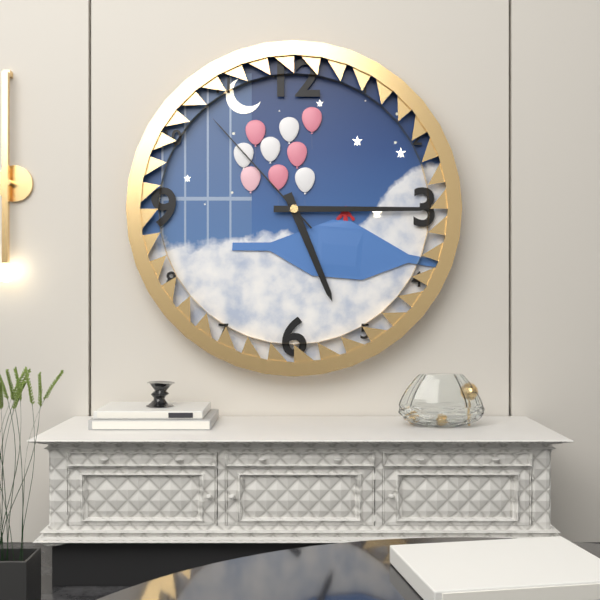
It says 5:15:53
